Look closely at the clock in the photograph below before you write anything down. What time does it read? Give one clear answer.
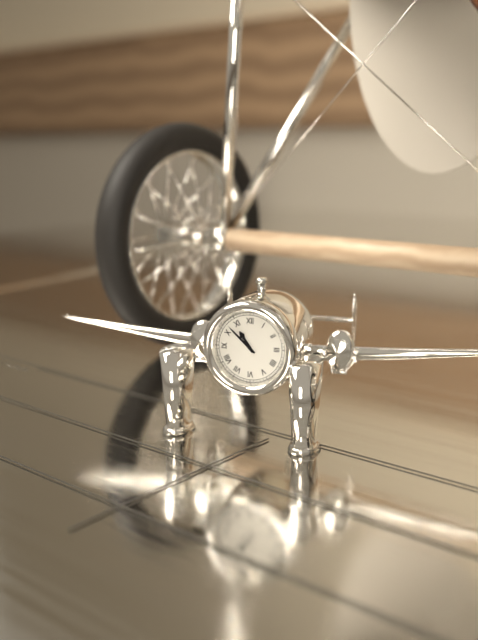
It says 10:52
